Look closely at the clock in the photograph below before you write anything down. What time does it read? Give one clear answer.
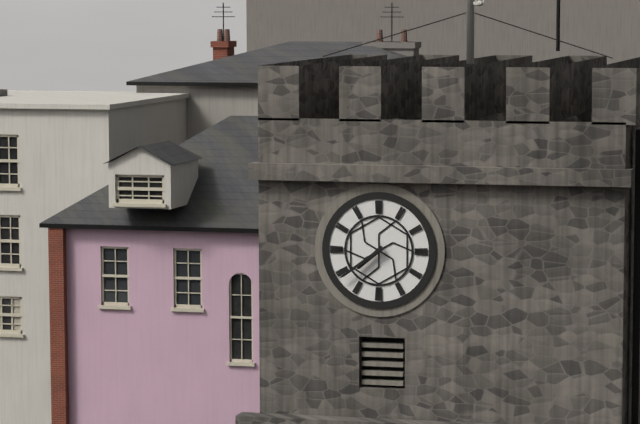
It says 7:39
